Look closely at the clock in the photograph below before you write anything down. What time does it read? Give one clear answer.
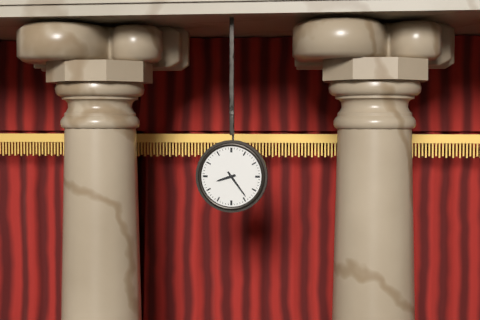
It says 8:24
